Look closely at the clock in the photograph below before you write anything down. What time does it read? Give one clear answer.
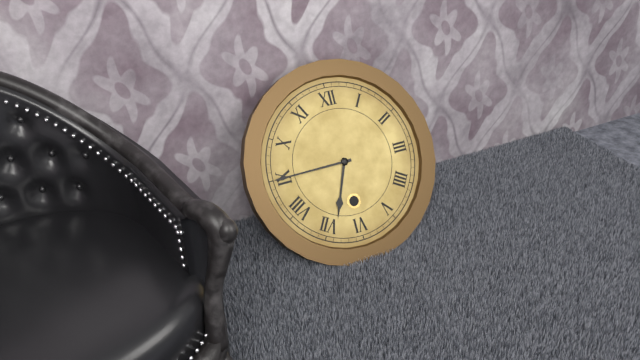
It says 6:45
